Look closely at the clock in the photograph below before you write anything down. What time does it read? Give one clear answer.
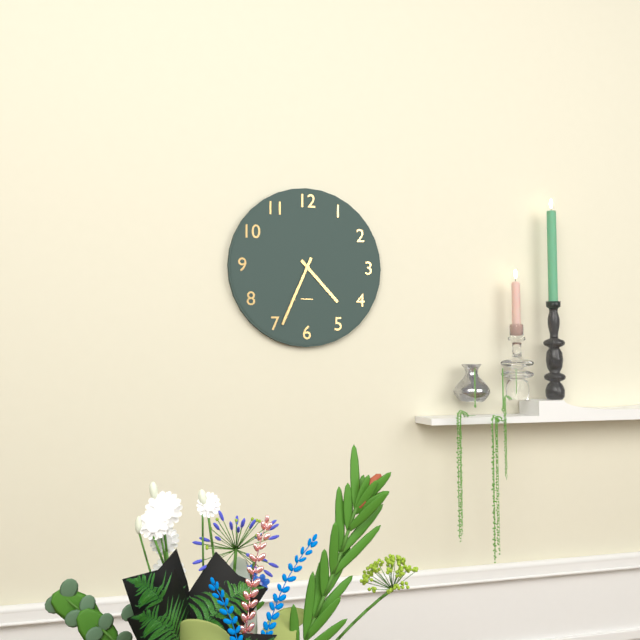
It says 4:34
